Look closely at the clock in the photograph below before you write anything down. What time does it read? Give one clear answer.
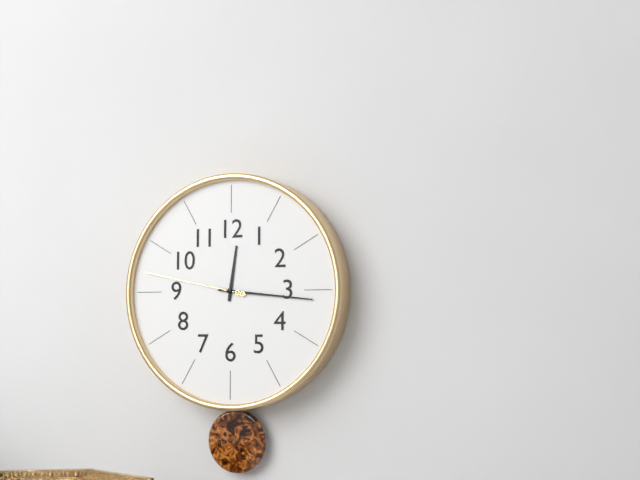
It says 12:16:47
